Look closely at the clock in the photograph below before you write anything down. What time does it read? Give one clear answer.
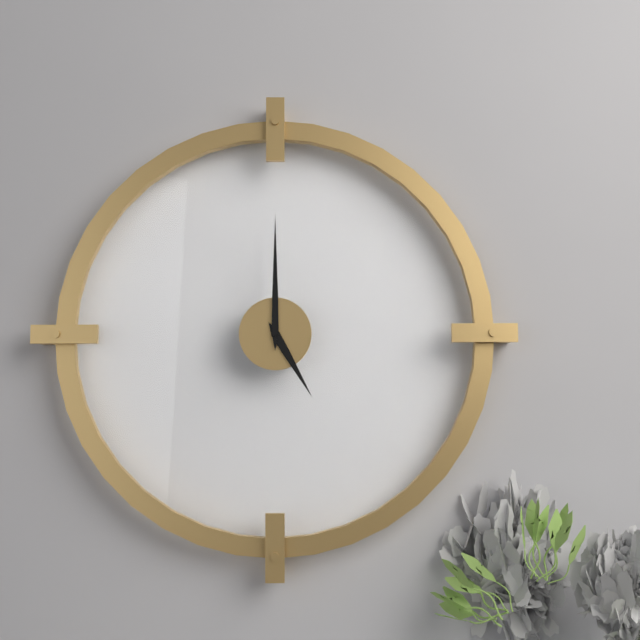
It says 5:00
